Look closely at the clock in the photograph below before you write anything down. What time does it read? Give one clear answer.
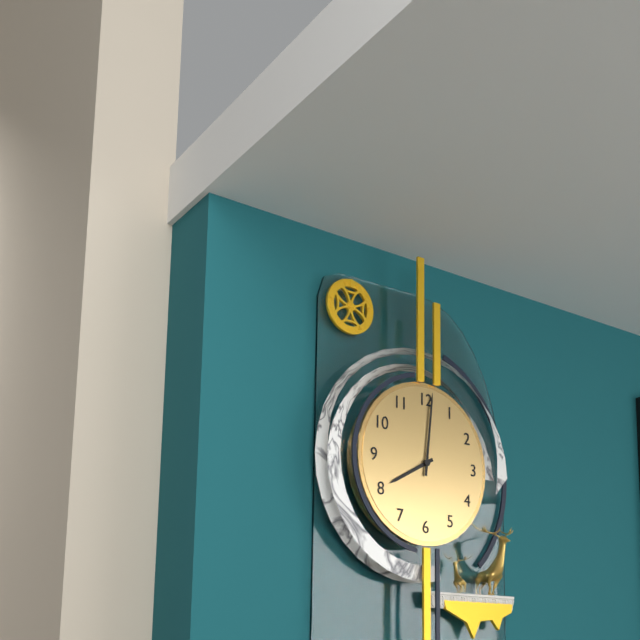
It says 8:01
